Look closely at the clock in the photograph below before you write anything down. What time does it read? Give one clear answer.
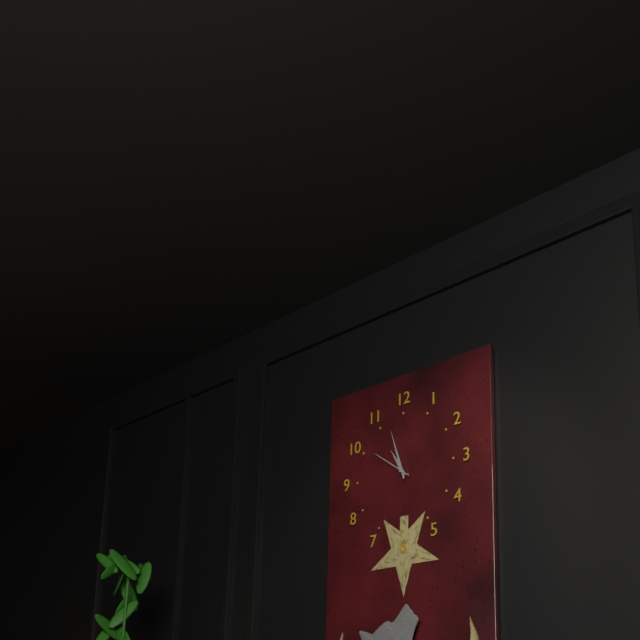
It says 10:57
